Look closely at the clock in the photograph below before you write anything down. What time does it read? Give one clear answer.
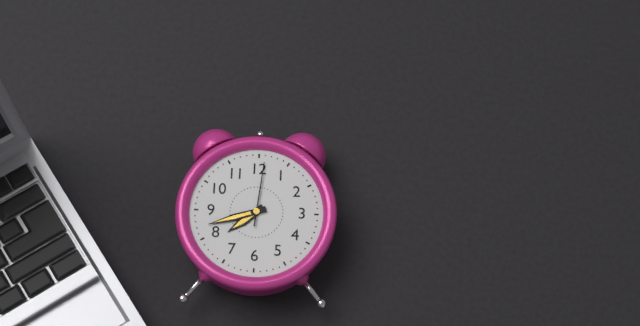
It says 7:42:01
